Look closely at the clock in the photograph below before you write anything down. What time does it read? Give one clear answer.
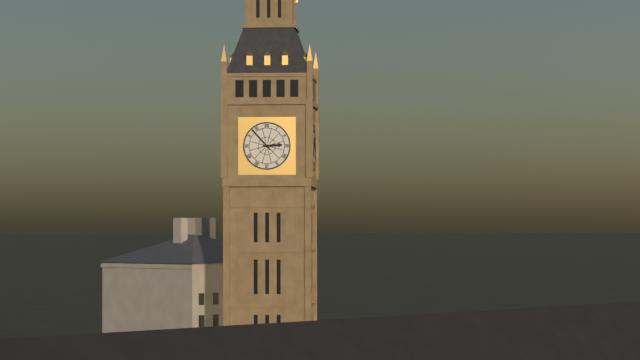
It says 2:53
